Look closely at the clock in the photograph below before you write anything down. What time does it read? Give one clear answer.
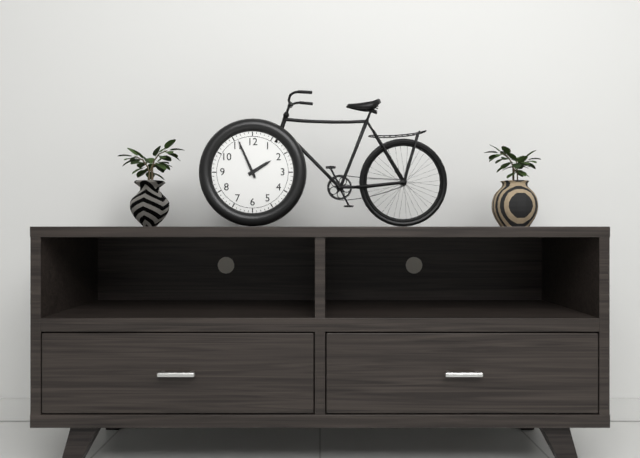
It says 1:56
